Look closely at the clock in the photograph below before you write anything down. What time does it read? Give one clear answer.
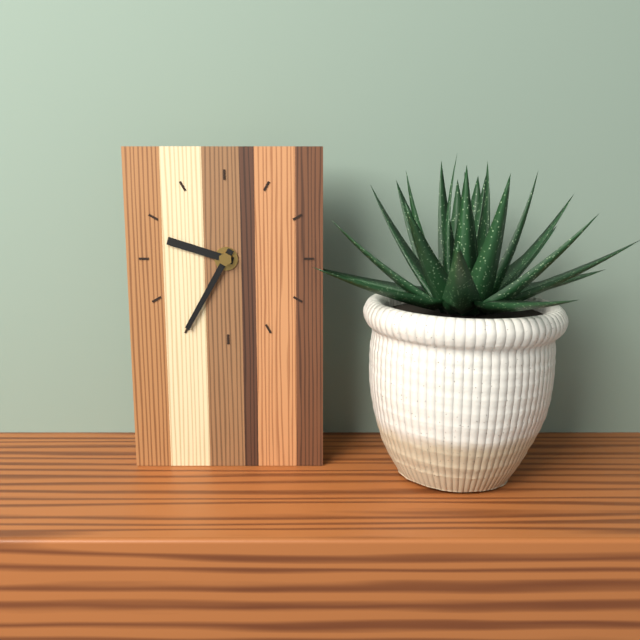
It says 9:35
